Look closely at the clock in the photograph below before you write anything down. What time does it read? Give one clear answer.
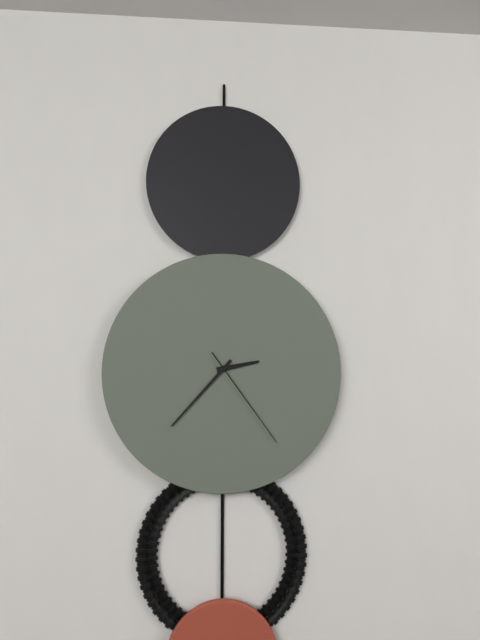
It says 2:37:24
